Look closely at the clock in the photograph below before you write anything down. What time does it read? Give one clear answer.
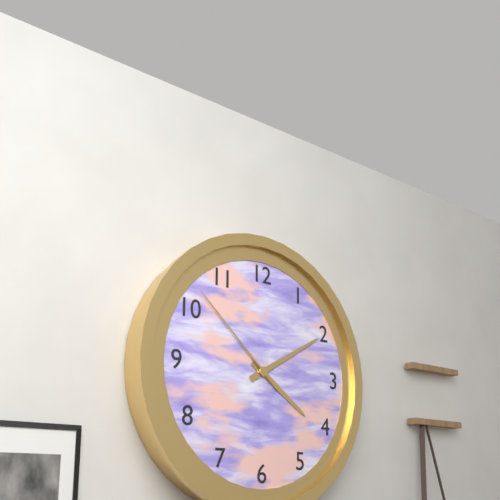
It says 4:10:52
